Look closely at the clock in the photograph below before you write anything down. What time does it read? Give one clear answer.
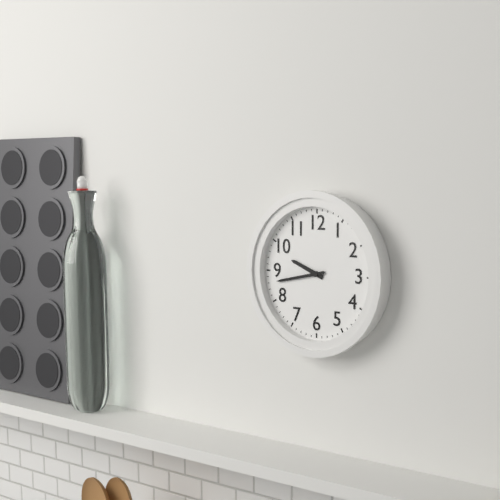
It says 9:43
